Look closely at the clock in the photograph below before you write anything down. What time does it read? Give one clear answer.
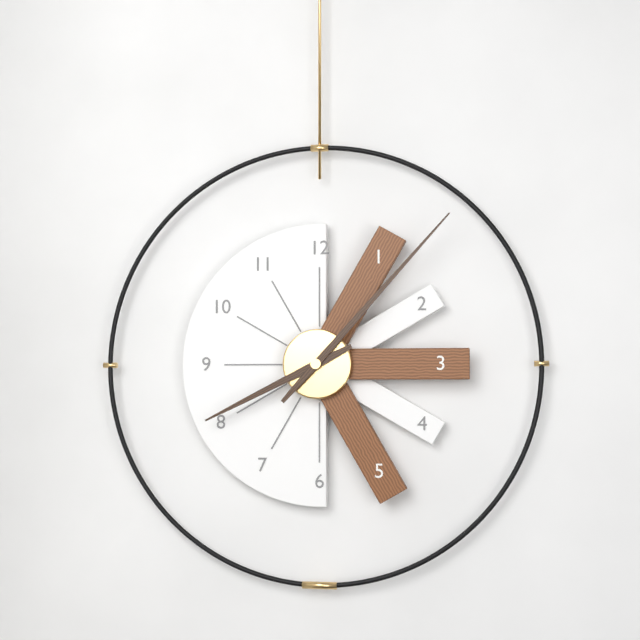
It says 8:07
